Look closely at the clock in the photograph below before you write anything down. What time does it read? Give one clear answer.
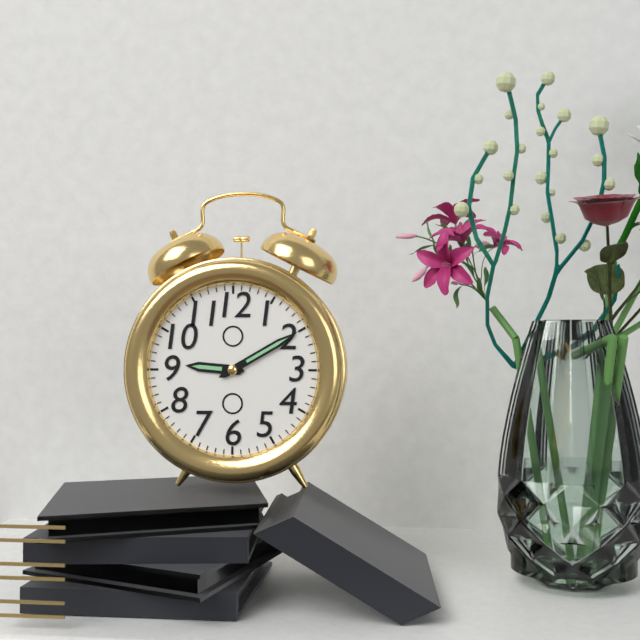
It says 9:10
